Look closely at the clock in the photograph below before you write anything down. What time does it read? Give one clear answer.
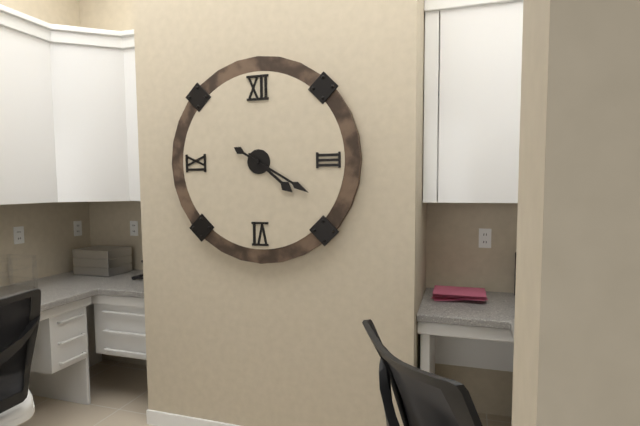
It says 4:20
